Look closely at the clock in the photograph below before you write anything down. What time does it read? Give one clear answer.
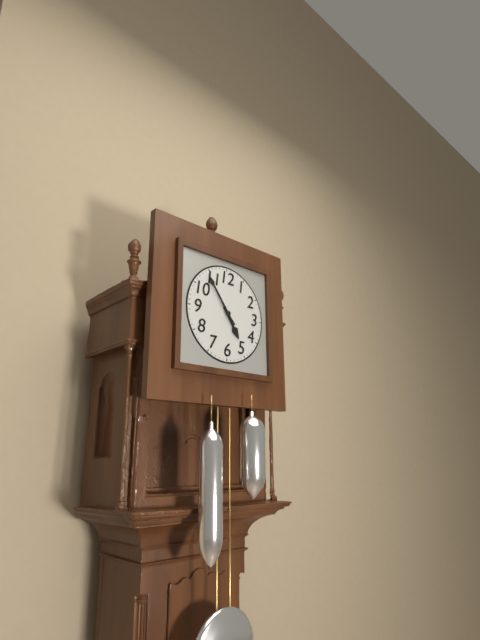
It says 4:54
